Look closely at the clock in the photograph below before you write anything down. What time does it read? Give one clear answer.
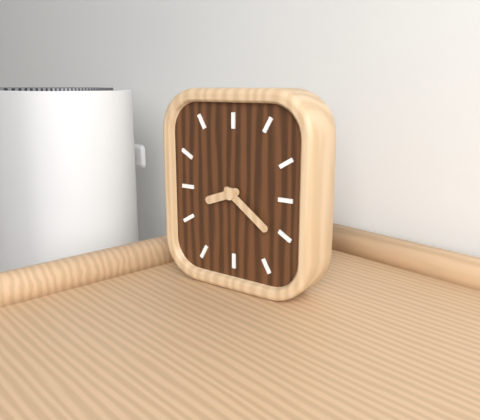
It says 8:21
